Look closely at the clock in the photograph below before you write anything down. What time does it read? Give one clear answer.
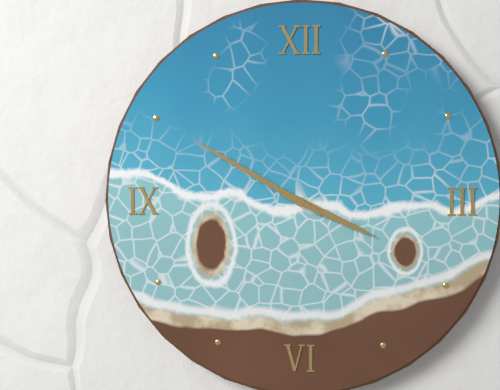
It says 3:50
